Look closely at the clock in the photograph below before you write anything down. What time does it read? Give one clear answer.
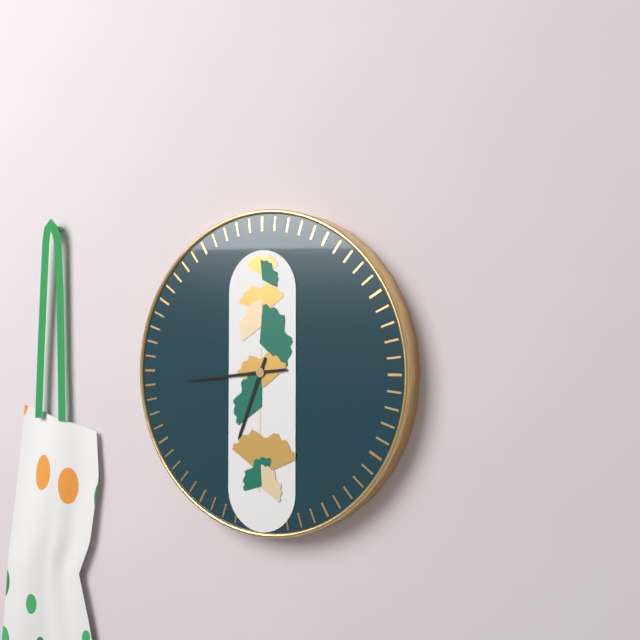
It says 6:44
